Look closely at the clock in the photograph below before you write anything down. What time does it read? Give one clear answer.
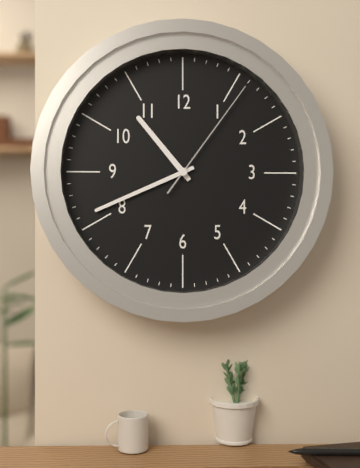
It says 10:41:06
